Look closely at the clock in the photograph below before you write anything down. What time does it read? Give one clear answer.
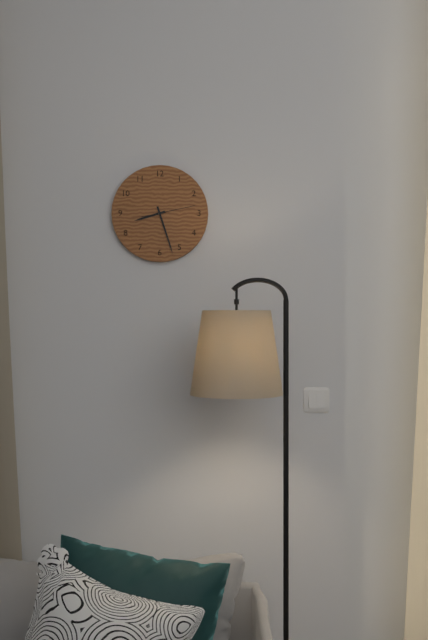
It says 8:27
